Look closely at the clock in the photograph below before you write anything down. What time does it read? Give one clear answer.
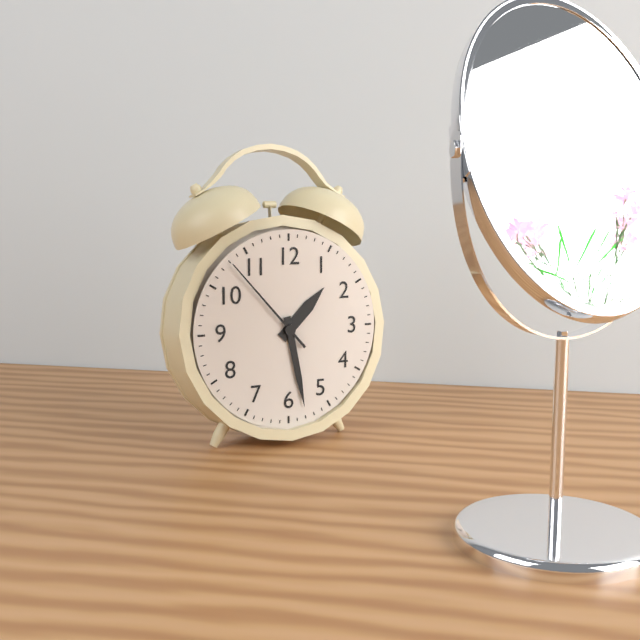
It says 1:28:53
